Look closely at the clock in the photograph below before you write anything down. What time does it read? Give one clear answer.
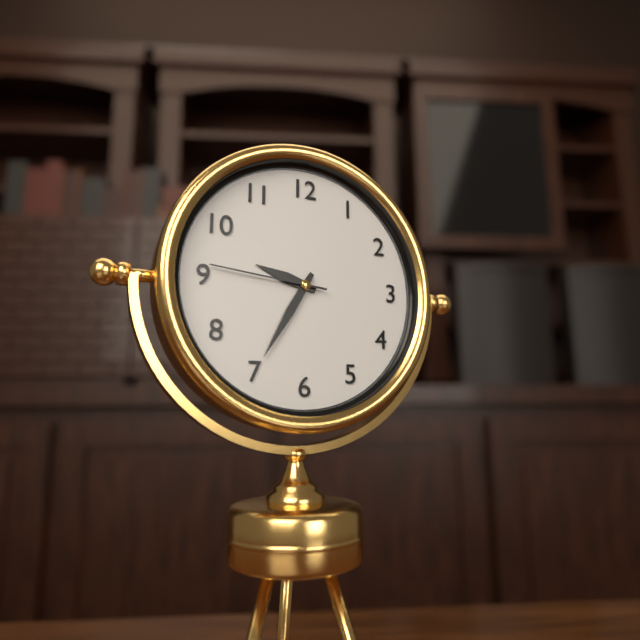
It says 9:35:46
